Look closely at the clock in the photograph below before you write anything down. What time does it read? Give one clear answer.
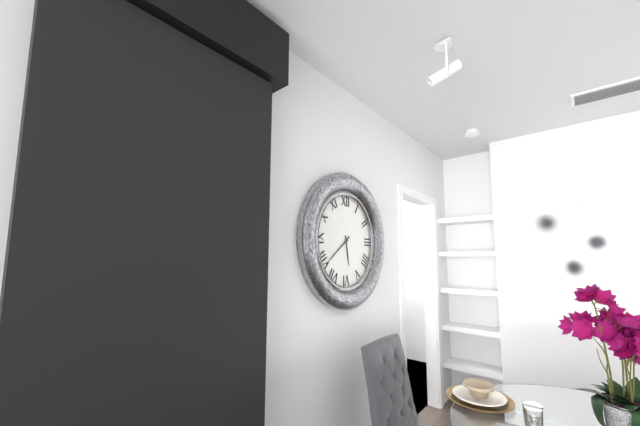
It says 5:39
